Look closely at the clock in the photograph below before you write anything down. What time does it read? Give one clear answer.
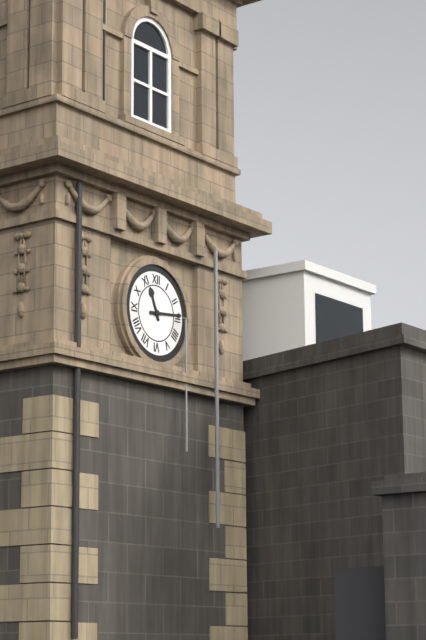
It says 11:14
